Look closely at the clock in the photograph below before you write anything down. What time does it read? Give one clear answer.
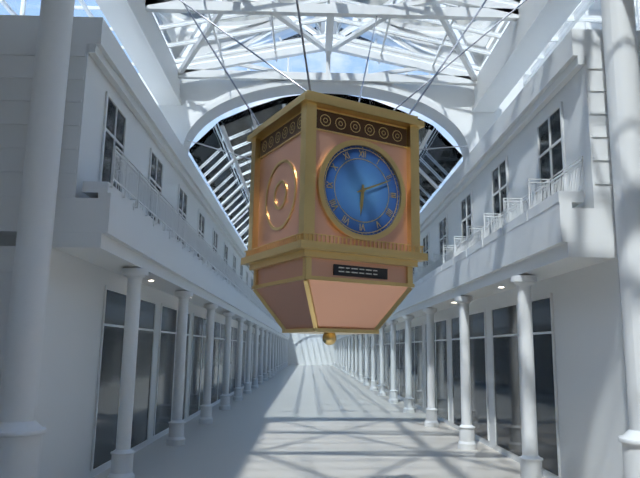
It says 6:11
